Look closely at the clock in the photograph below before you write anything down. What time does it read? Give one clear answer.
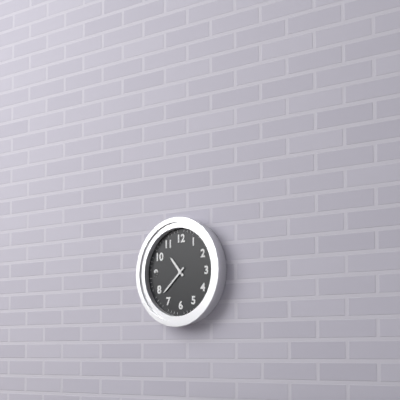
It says 10:38
